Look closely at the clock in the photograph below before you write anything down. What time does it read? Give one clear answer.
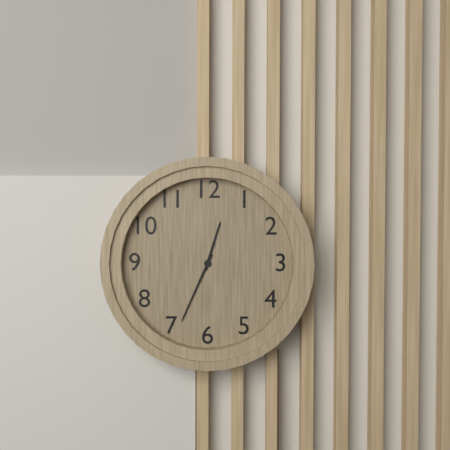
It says 12:34
